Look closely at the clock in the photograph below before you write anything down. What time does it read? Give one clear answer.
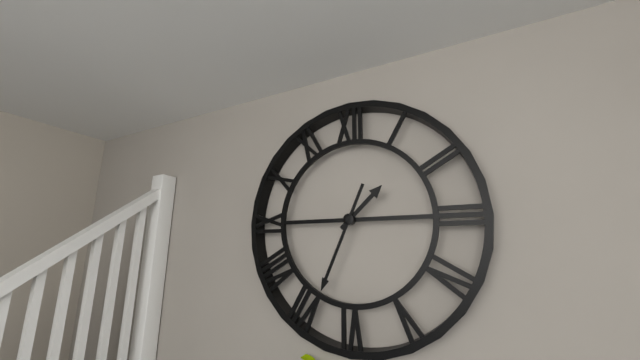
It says 1:34
